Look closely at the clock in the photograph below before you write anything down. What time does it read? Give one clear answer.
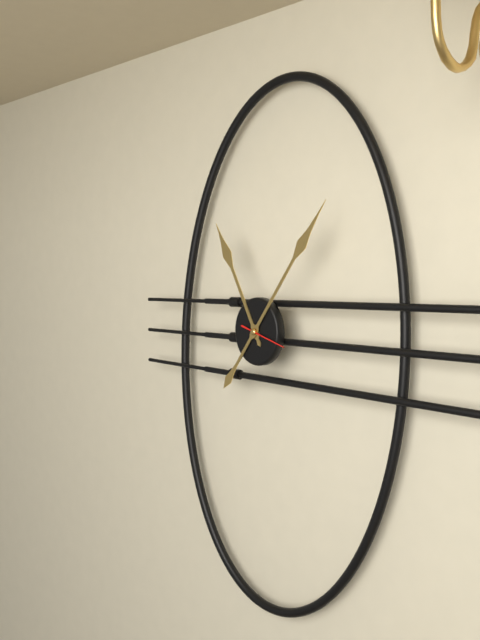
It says 11:06
